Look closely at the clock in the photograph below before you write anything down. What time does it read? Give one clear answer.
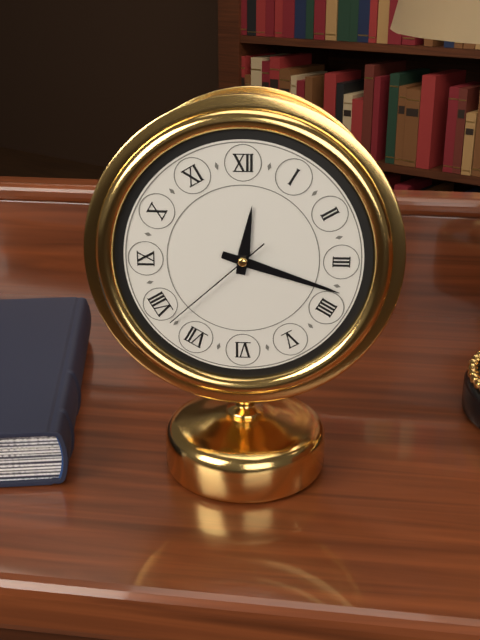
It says 12:18:38
